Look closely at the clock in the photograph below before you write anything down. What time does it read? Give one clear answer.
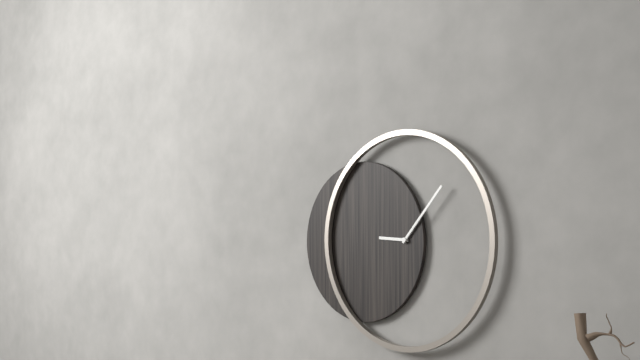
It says 9:07
